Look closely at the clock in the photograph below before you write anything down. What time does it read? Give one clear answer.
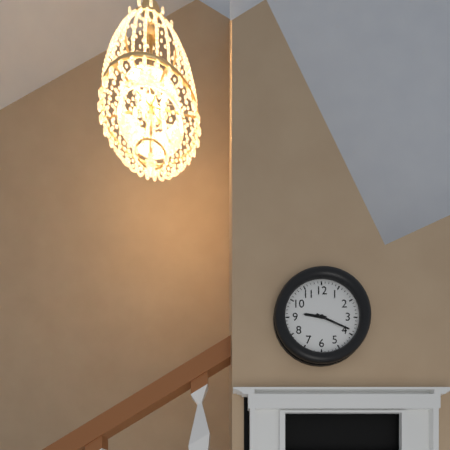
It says 9:19
